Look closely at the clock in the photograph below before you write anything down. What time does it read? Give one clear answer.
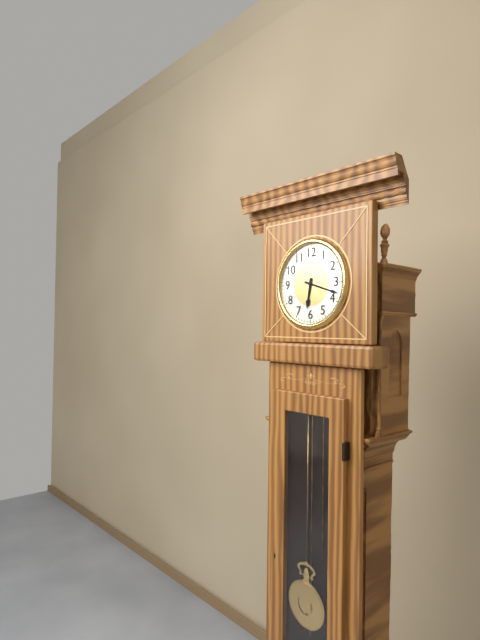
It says 6:18
